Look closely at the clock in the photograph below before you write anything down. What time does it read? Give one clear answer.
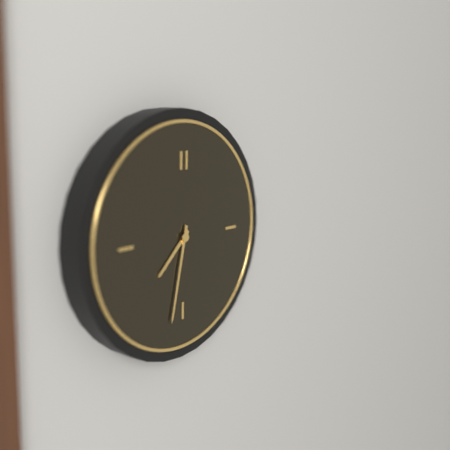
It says 7:32
